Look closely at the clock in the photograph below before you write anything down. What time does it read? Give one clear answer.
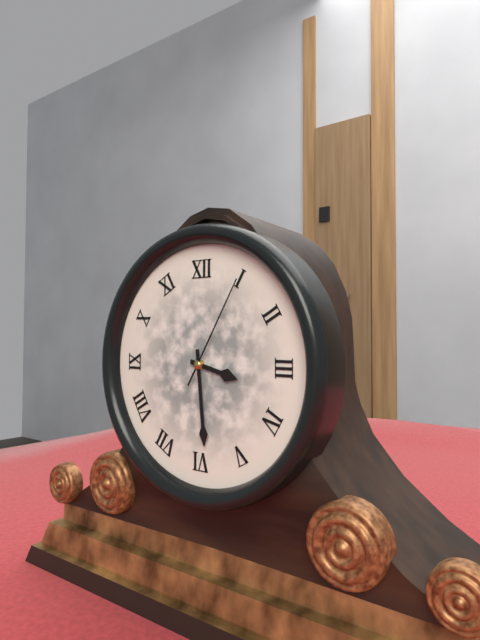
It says 3:29:05
